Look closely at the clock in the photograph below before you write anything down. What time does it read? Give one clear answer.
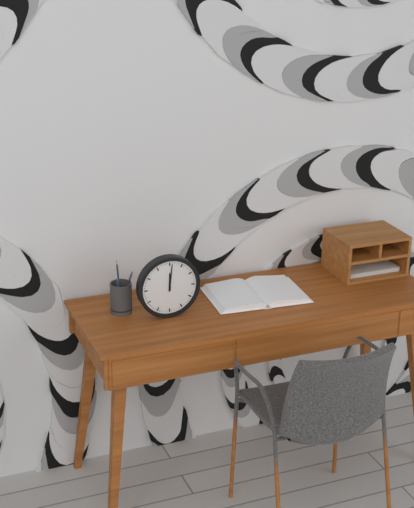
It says 12:01
